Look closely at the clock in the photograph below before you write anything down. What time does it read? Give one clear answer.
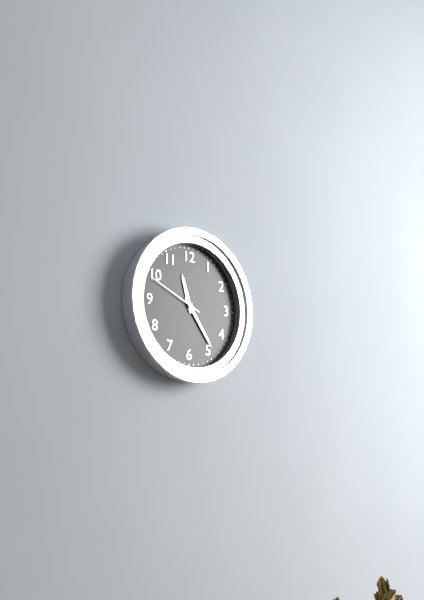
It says 11:24:49
